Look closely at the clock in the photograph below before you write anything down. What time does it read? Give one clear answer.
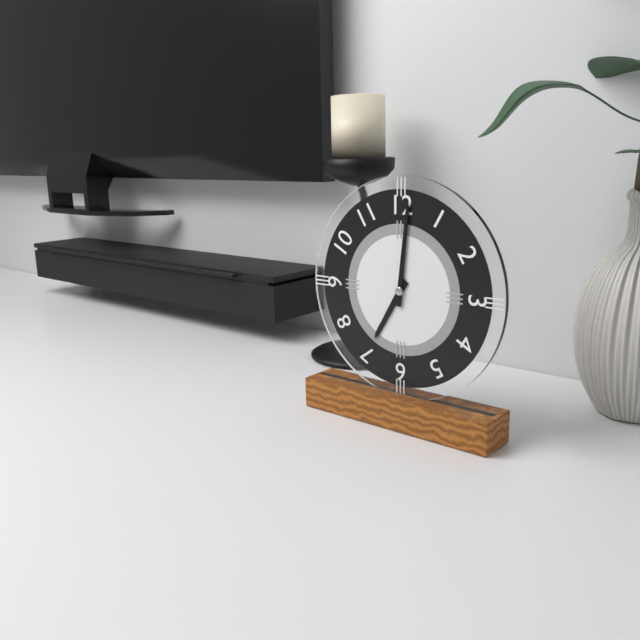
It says 7:01
